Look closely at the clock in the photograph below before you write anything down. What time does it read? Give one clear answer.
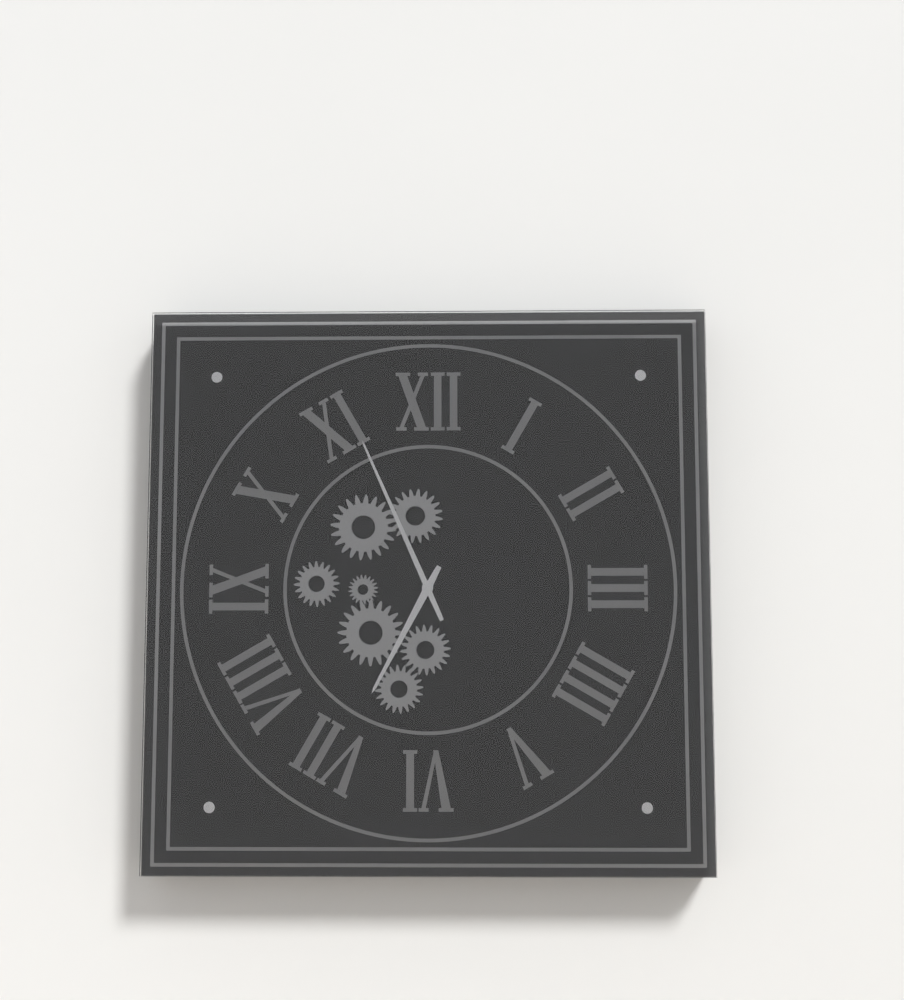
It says 6:56
